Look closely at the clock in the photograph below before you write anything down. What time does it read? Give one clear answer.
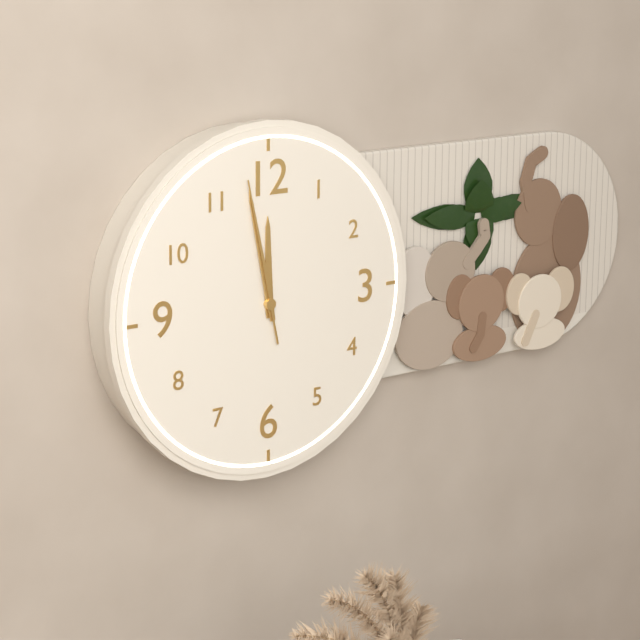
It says 11:58:58
